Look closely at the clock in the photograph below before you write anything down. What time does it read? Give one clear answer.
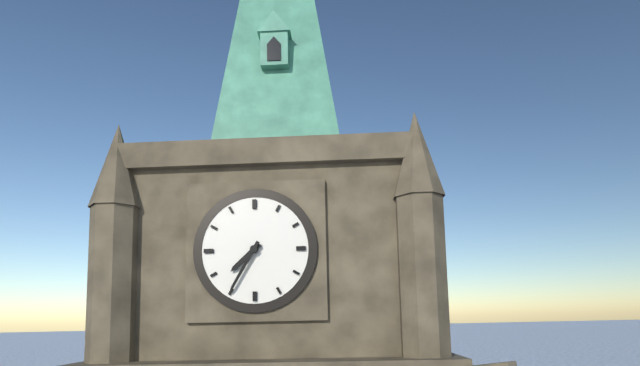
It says 7:35
